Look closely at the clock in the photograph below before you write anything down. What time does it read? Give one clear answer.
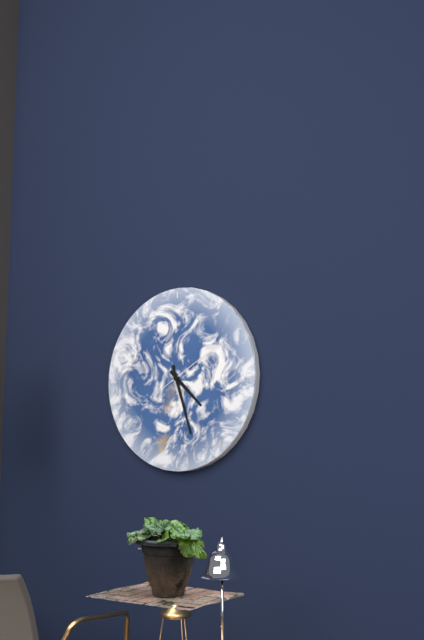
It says 4:27:10
